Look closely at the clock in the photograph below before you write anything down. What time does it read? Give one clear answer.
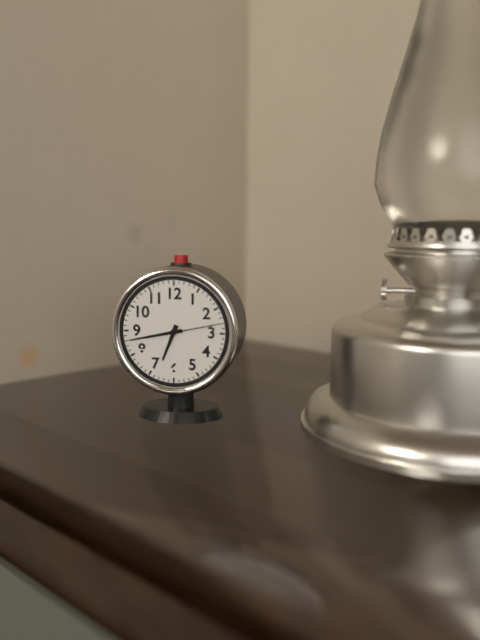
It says 6:43:13
